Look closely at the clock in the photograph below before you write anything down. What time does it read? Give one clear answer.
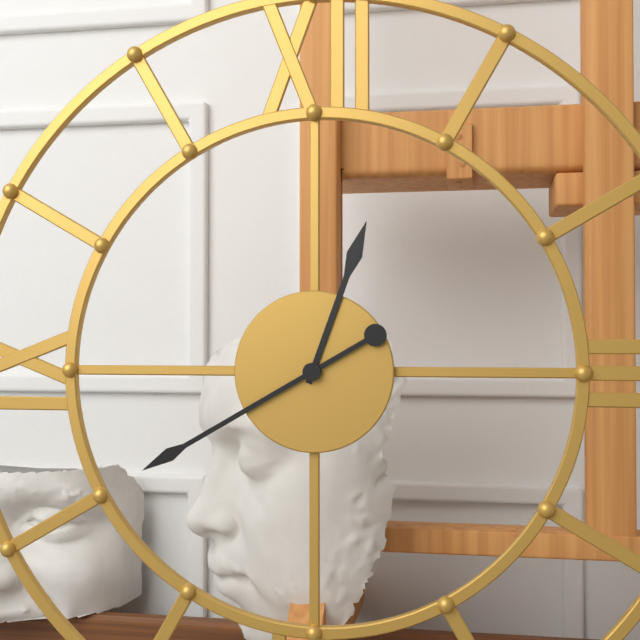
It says 12:40
